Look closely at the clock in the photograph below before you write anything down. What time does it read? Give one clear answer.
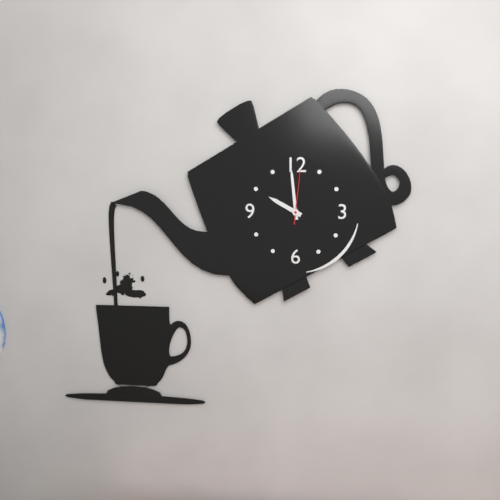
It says 9:59:01
